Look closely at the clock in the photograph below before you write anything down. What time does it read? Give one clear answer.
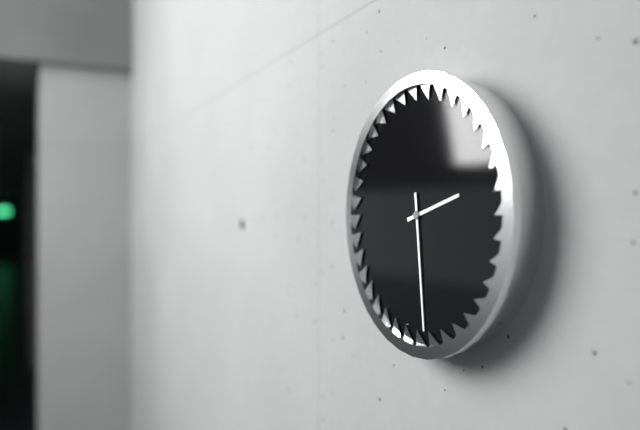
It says 2:29
